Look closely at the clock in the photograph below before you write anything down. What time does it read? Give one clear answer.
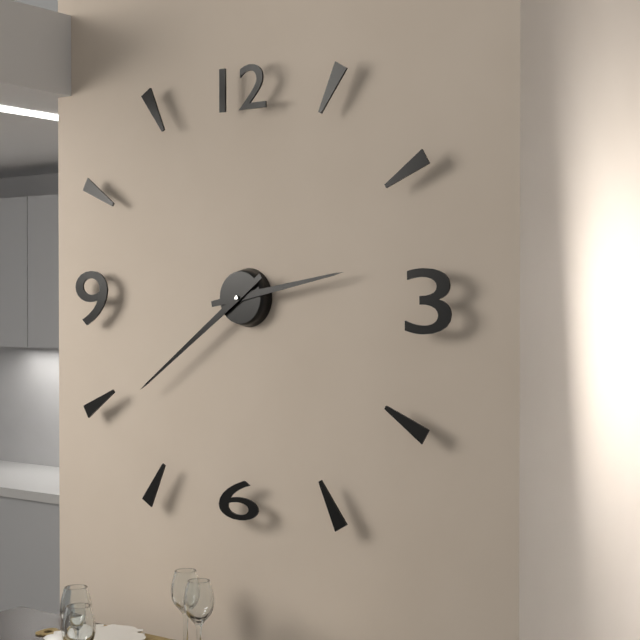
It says 2:39
